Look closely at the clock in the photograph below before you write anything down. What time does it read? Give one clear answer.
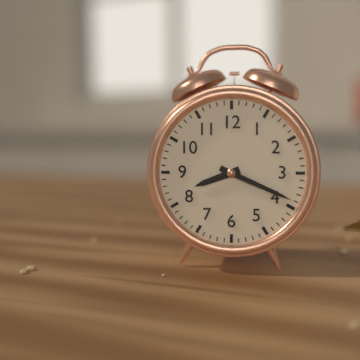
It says 8:19
